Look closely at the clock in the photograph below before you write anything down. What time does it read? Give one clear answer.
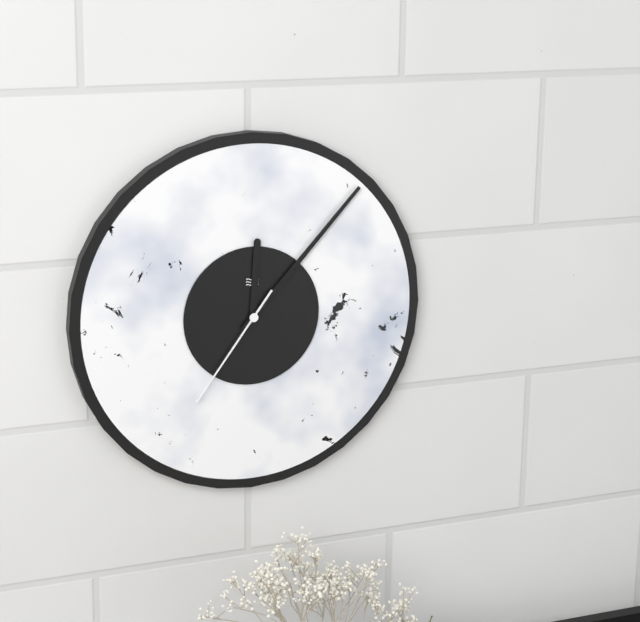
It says 12:07:36
